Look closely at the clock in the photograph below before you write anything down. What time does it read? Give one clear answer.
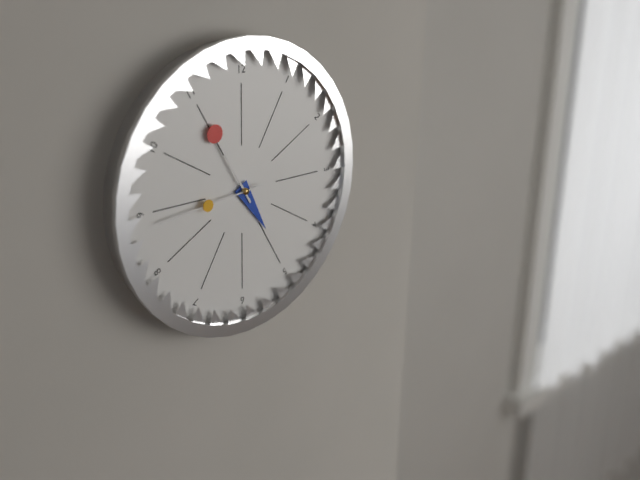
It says 4:55:44
